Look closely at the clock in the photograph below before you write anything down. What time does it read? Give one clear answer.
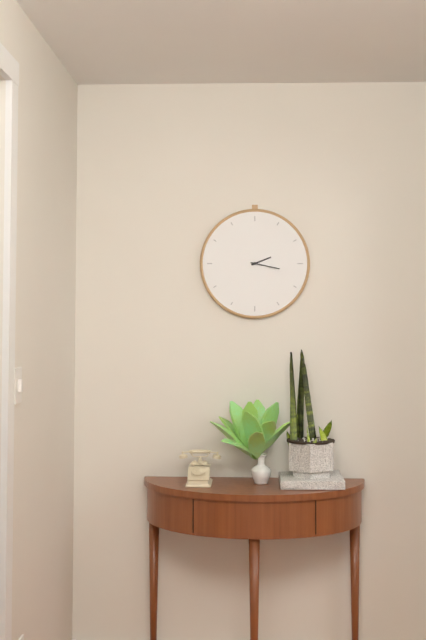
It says 2:17
